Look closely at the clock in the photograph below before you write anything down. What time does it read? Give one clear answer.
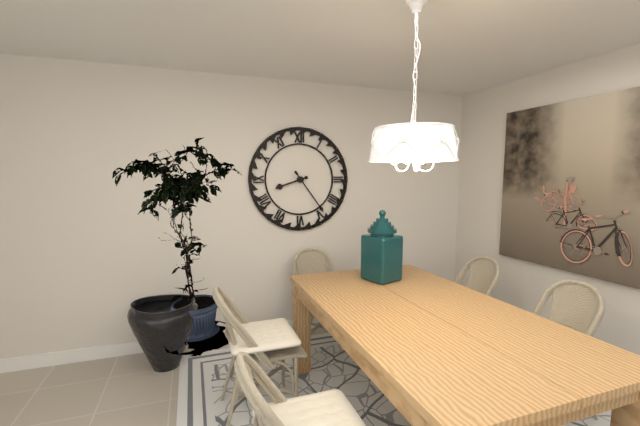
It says 8:24
